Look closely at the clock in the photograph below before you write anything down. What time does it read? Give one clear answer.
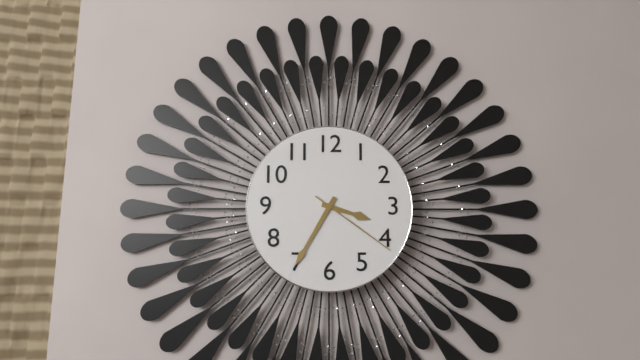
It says 3:35:21
